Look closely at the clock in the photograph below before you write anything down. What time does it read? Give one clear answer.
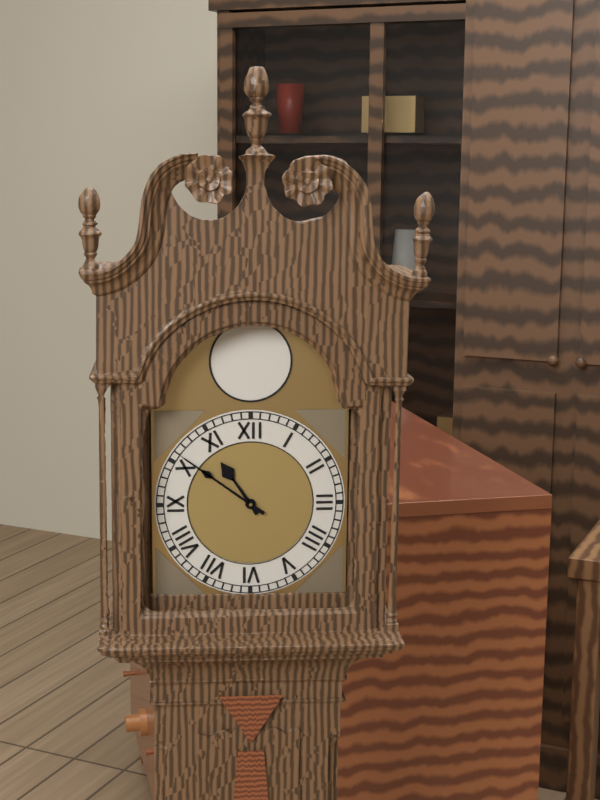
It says 10:51
